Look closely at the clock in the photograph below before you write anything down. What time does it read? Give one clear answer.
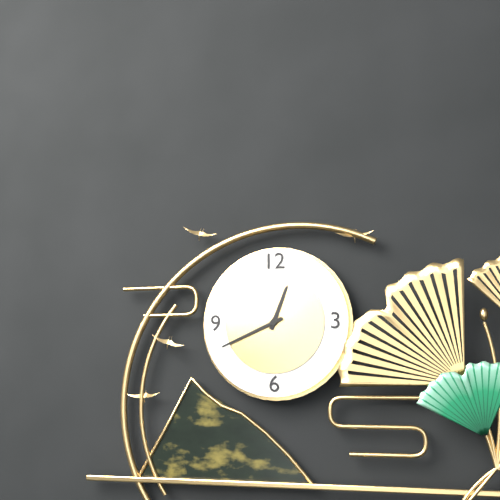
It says 12:41
